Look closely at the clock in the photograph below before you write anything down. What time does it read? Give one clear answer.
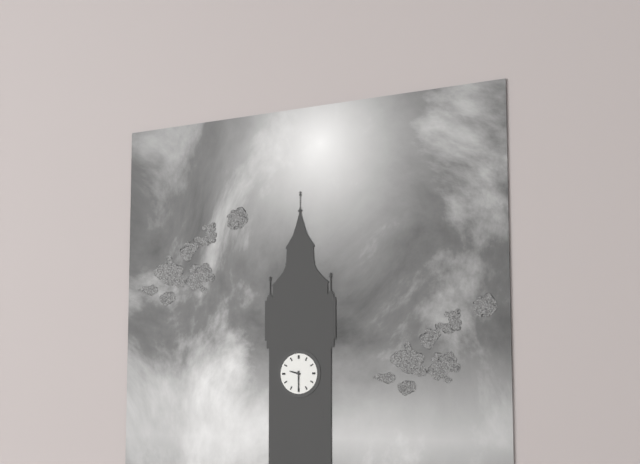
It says 9:30
